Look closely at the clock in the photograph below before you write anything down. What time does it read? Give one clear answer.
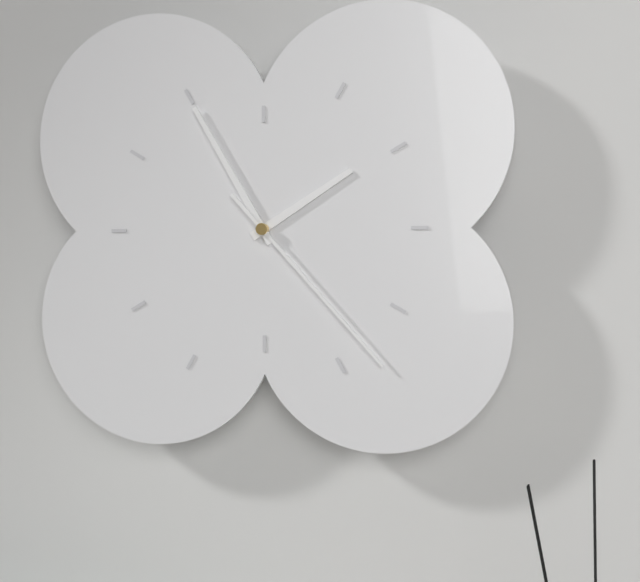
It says 1:55:23
